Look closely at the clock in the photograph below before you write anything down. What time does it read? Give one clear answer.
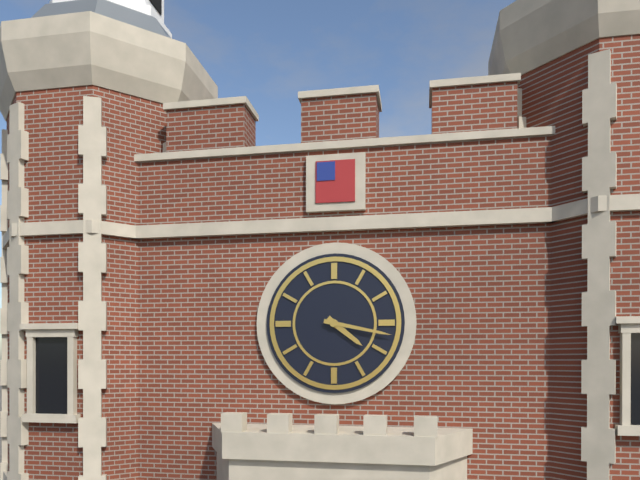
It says 4:17
